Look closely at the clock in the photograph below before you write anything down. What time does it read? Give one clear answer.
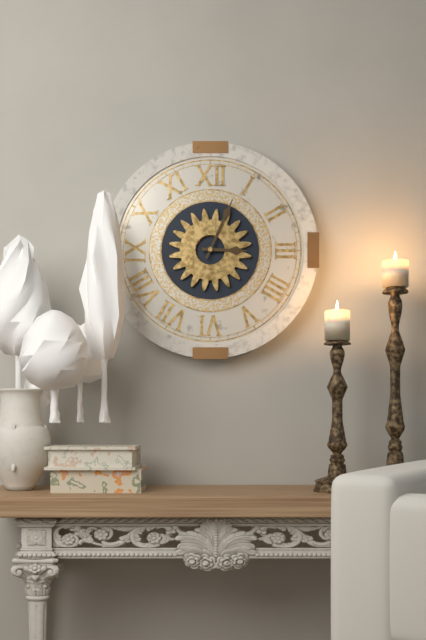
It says 3:04
